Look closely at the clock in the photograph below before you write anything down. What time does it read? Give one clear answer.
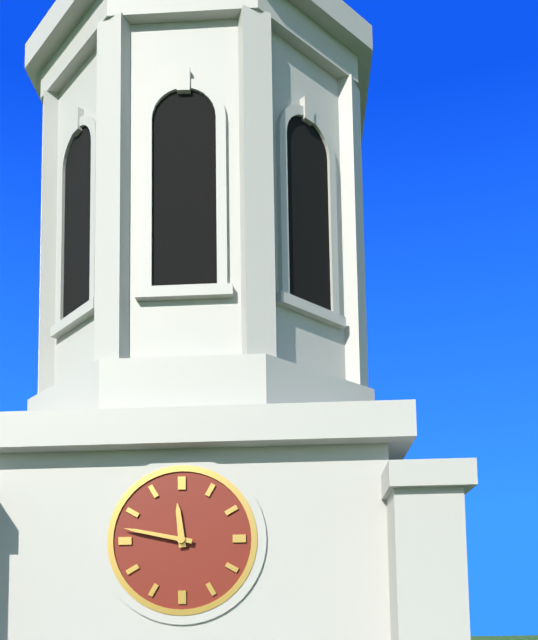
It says 11:47
